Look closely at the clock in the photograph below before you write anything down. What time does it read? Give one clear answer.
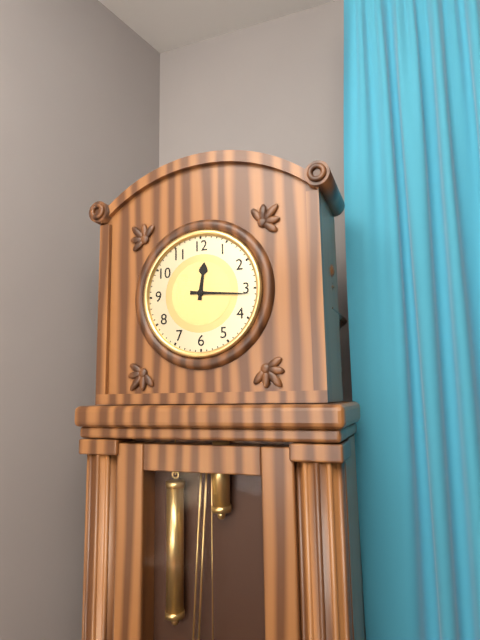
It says 12:16
